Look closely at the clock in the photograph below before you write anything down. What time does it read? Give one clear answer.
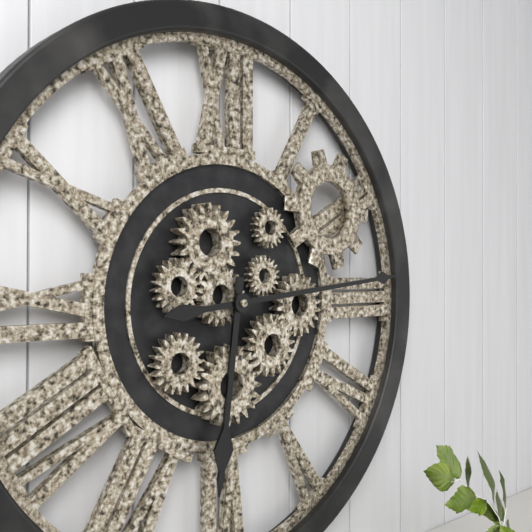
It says 6:14
